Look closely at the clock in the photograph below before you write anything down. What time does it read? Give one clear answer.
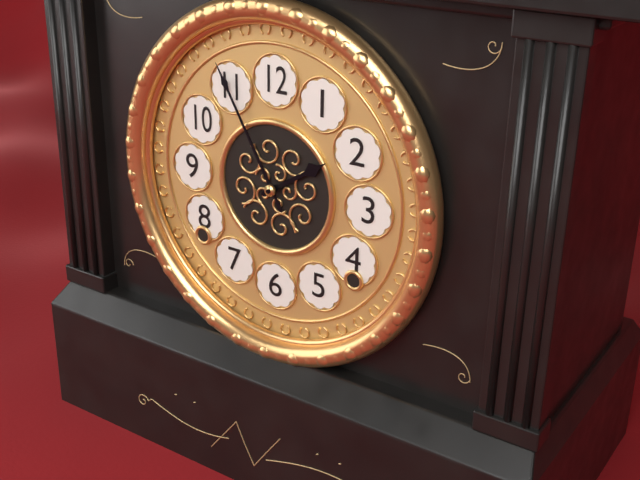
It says 1:55
